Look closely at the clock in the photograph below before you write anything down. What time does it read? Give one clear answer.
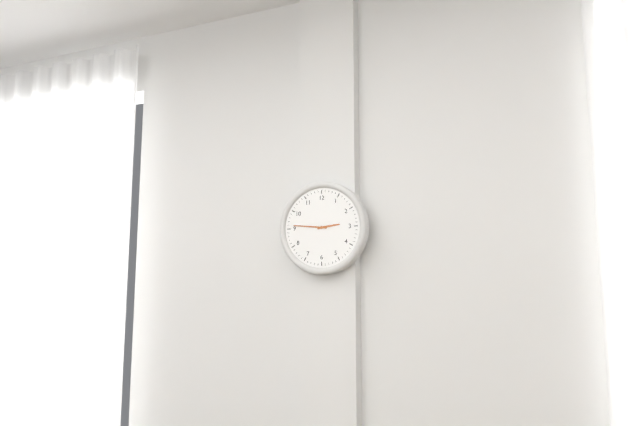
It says 2:46
